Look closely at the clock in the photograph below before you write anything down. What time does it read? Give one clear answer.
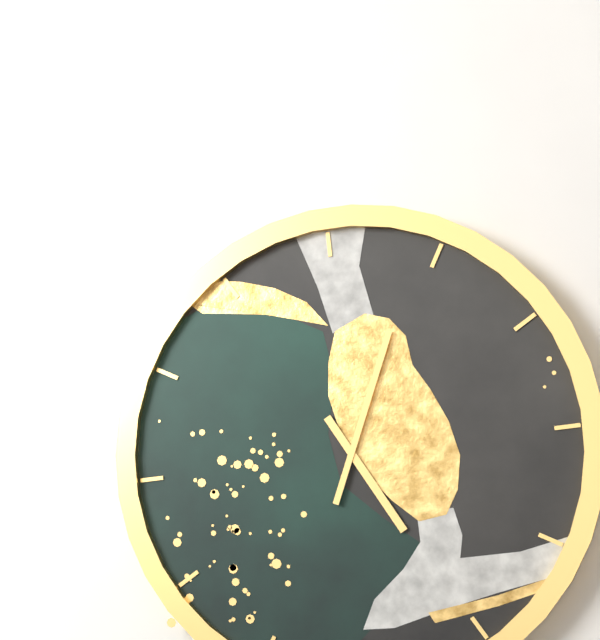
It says 5:04
